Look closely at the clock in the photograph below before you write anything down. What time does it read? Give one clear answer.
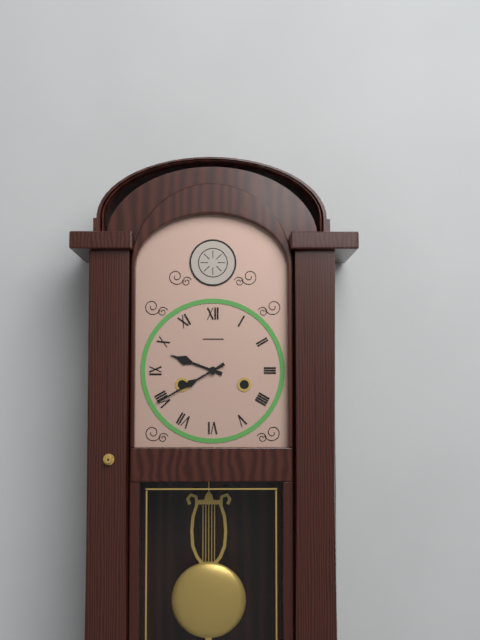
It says 9:40
